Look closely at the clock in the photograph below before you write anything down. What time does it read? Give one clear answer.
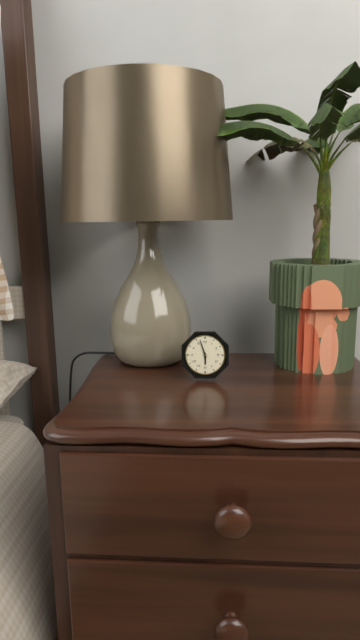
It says 5:57
